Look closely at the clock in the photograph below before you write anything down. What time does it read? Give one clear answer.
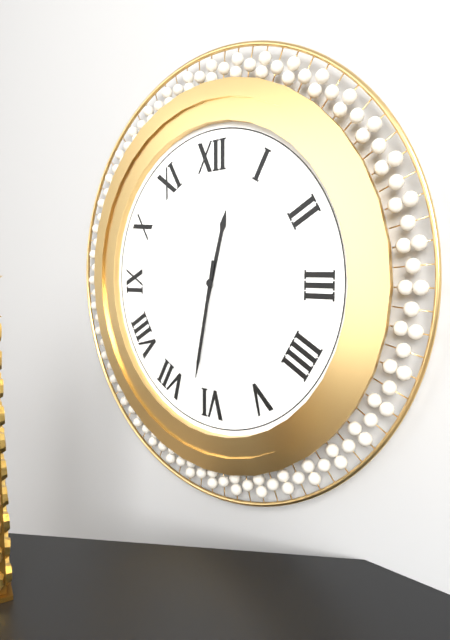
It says 12:32
